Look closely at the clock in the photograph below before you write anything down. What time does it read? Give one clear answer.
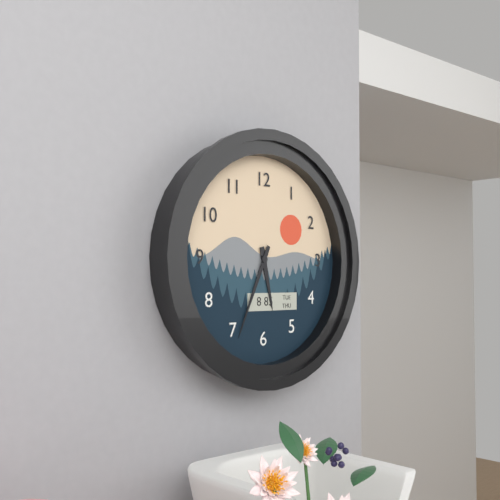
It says 5:34
